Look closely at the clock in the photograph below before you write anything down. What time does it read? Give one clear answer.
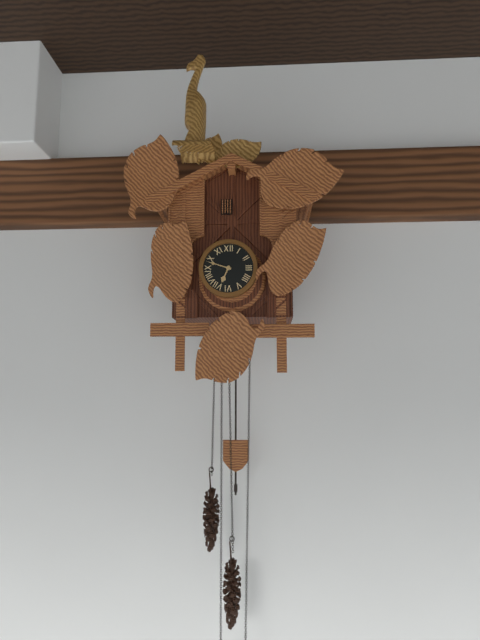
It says 6:48
